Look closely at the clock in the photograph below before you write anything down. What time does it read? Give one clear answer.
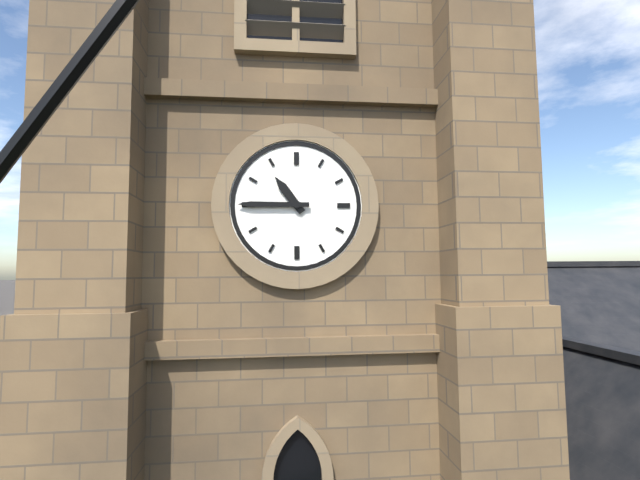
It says 10:45
